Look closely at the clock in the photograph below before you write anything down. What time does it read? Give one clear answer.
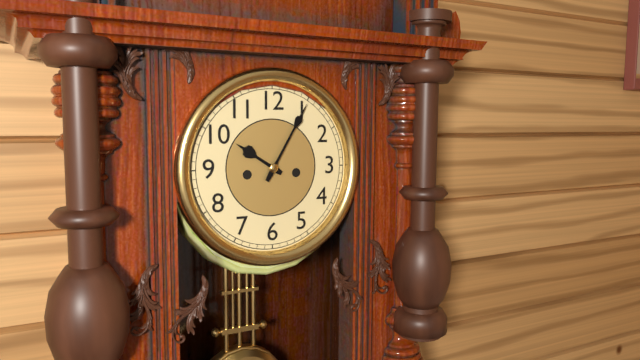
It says 10:05
